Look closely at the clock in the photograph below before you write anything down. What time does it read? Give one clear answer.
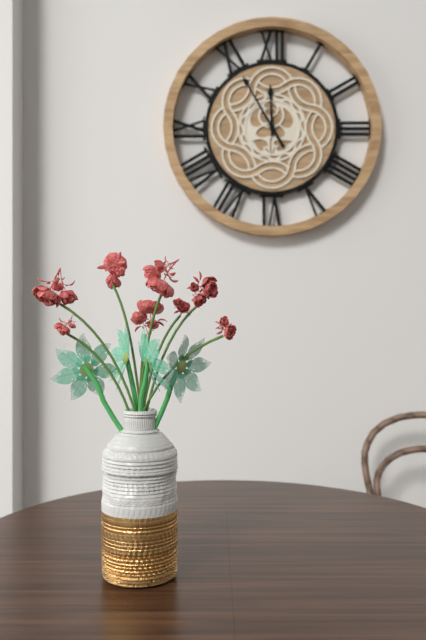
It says 11:55
